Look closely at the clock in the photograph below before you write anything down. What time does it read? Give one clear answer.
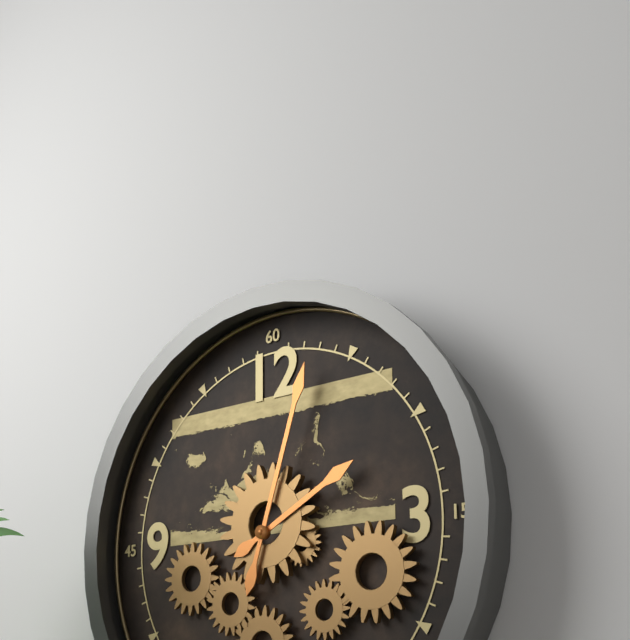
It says 2:03
